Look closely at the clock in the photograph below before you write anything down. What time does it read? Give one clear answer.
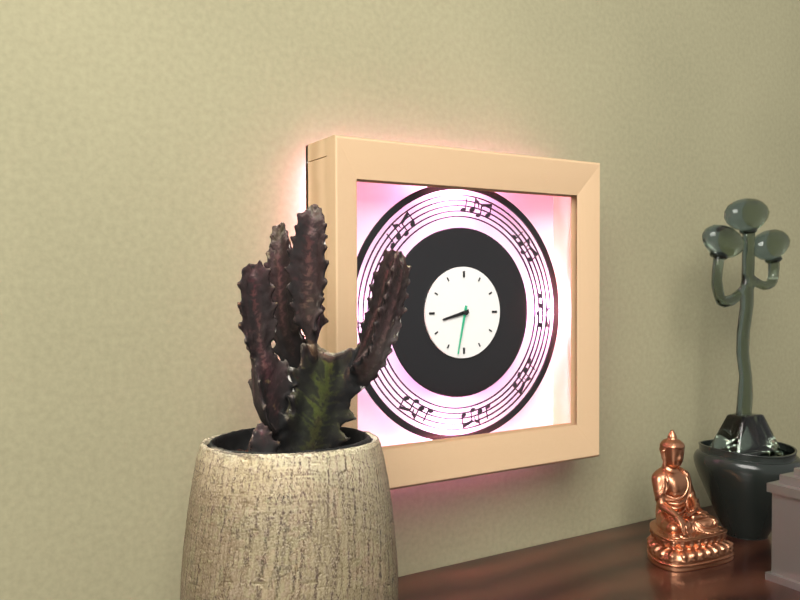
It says 8:32
